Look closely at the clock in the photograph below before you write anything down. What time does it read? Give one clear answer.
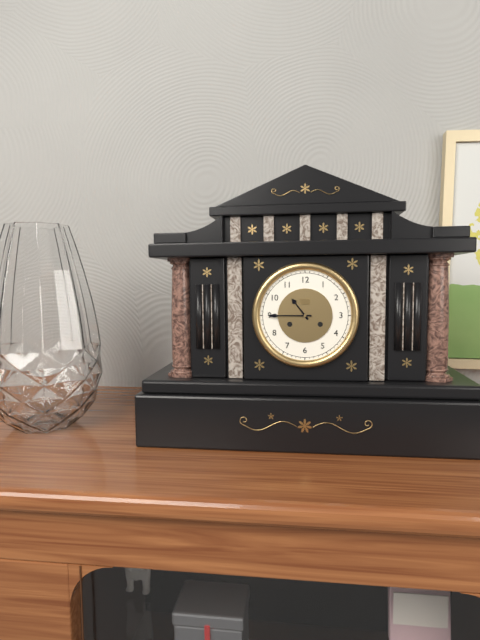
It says 10:45
